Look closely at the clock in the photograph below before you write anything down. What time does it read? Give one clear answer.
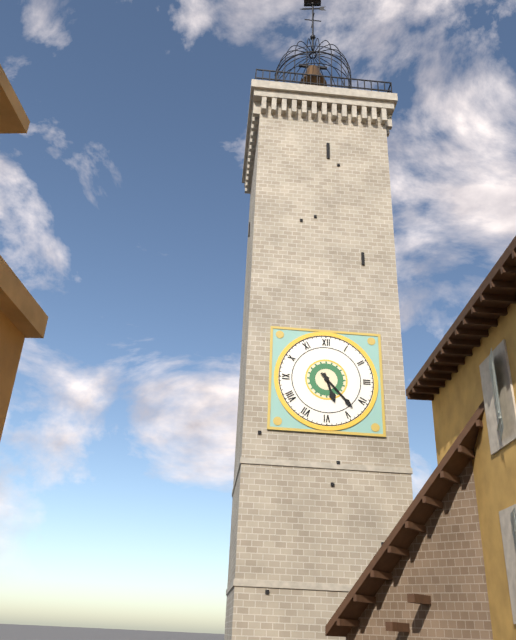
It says 5:23
